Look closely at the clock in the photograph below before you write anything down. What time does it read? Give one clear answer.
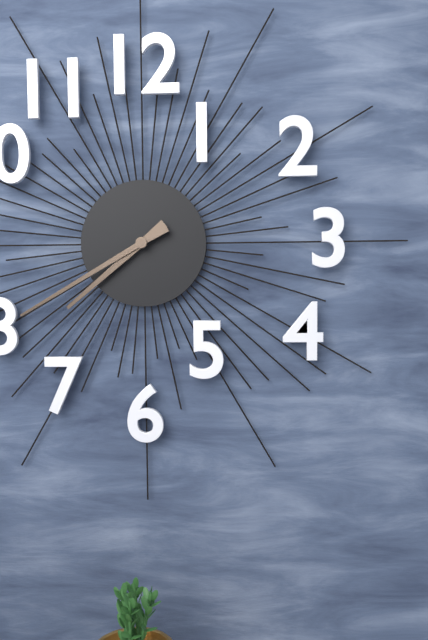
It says 7:40
